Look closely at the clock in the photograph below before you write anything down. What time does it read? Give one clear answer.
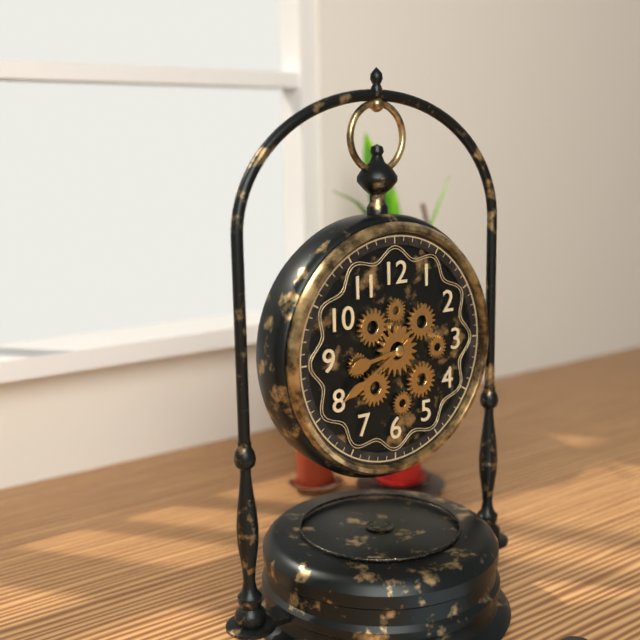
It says 8:40
